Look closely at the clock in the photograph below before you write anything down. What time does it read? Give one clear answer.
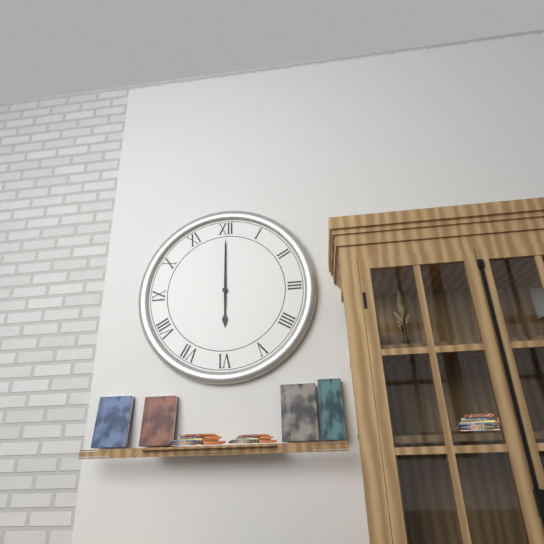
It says 6:00
